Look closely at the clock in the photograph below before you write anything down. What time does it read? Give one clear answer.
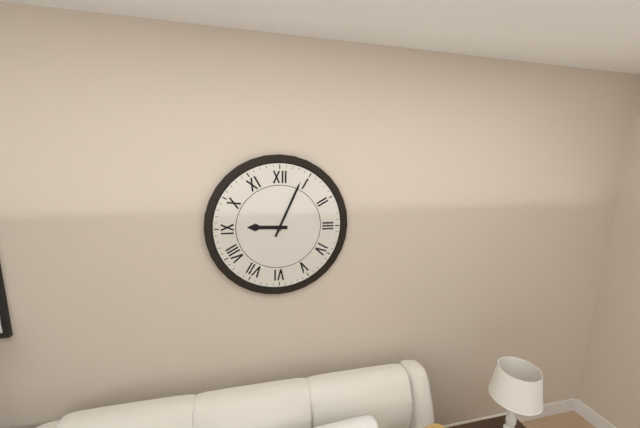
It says 9:04
